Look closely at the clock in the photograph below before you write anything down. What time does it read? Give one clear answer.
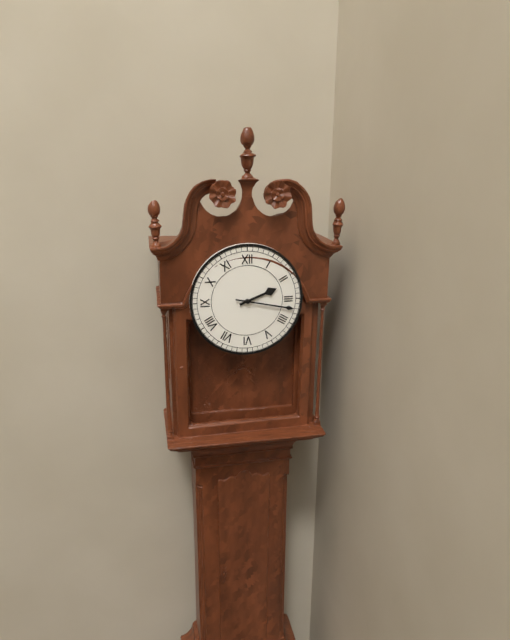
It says 2:17
